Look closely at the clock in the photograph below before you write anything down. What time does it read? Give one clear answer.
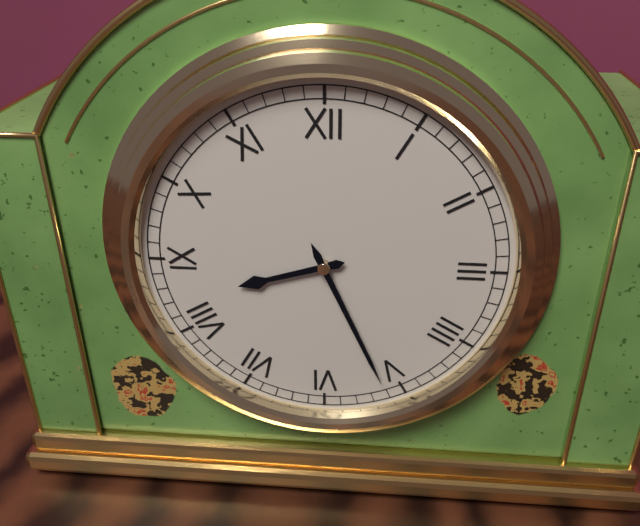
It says 8:26
